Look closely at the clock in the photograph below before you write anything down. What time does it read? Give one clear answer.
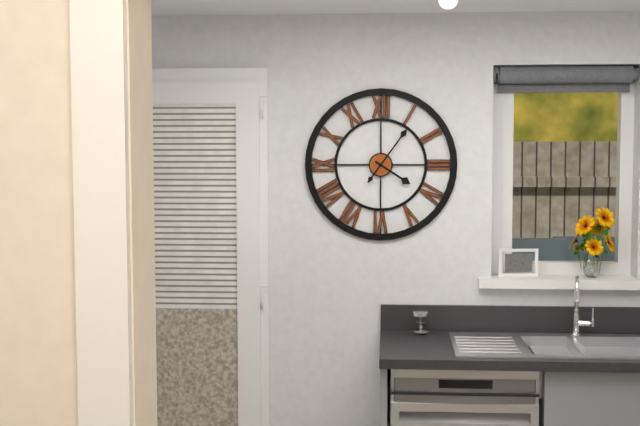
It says 4:06
